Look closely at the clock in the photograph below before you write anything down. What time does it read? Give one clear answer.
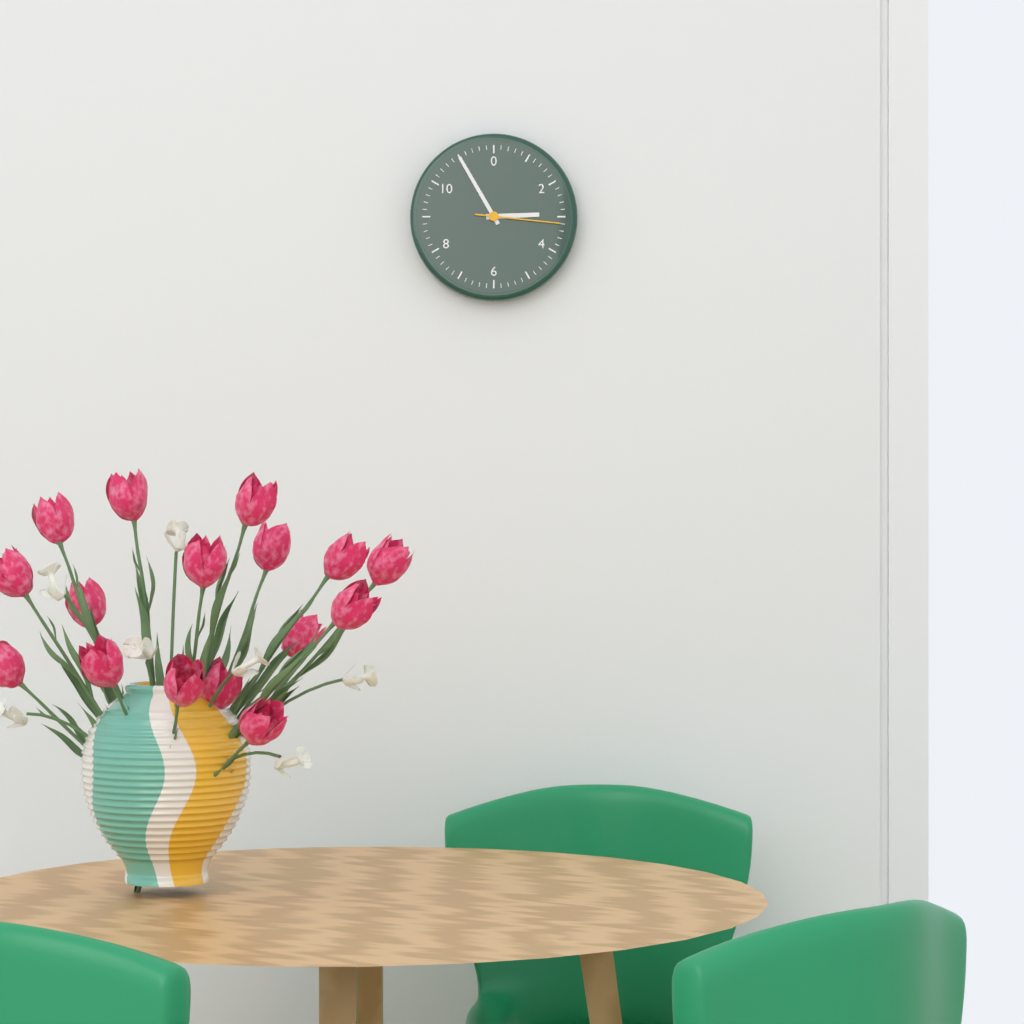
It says 2:55:16
